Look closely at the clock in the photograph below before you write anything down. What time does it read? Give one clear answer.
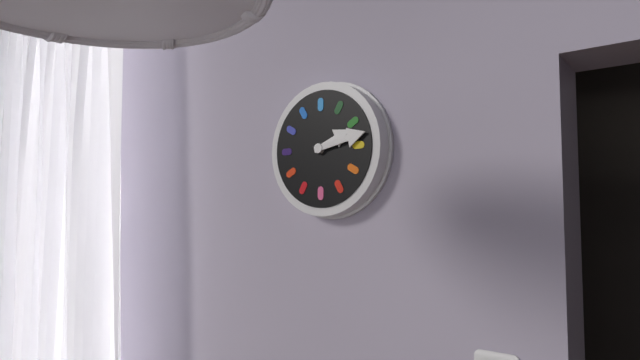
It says 2:13
